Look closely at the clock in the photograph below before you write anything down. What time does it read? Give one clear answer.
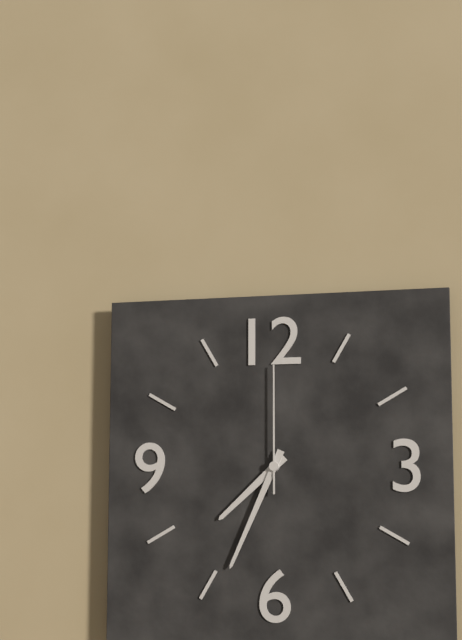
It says 7:34:00
